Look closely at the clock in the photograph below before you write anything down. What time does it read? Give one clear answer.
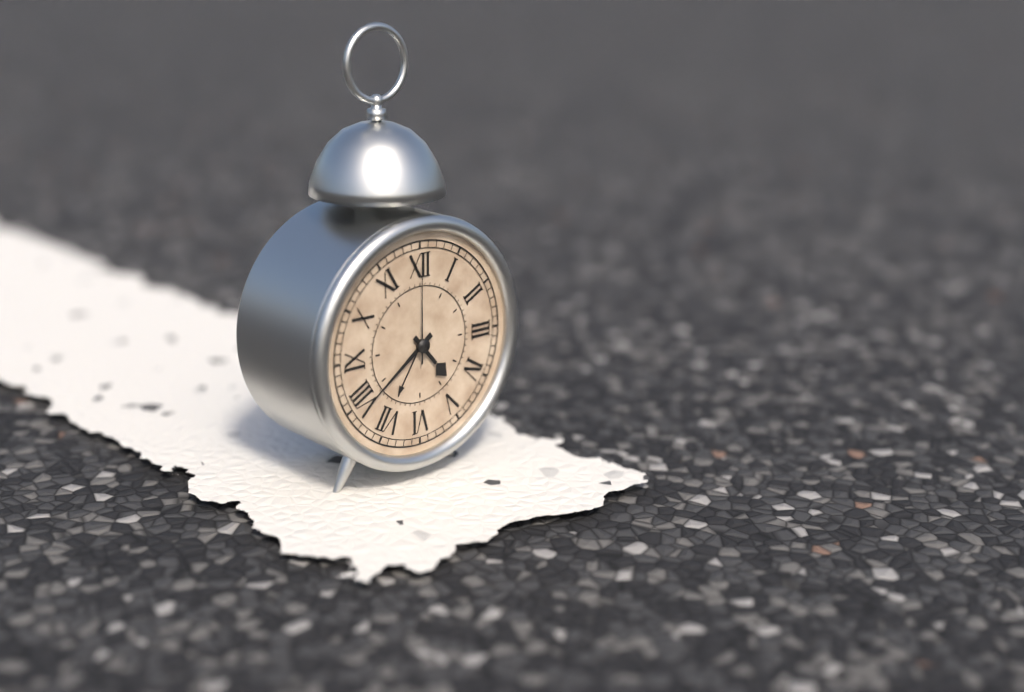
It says 4:39:00
